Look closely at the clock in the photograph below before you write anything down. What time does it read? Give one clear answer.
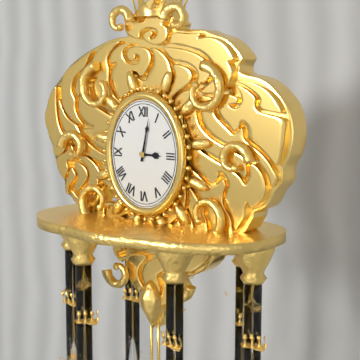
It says 3:02
